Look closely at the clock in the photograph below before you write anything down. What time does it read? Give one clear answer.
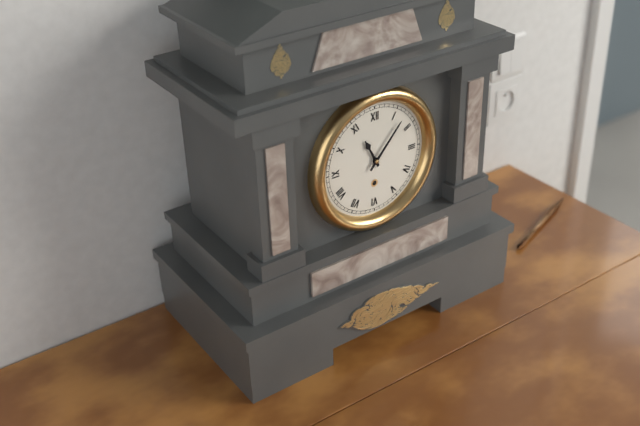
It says 11:07
